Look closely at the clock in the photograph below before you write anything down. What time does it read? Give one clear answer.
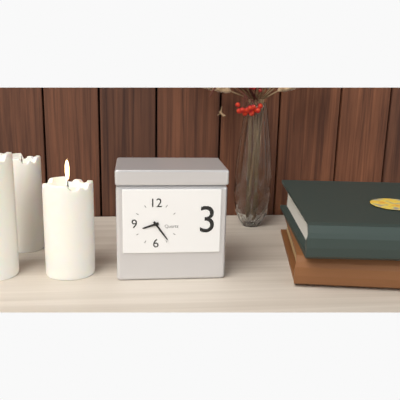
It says 8:24
